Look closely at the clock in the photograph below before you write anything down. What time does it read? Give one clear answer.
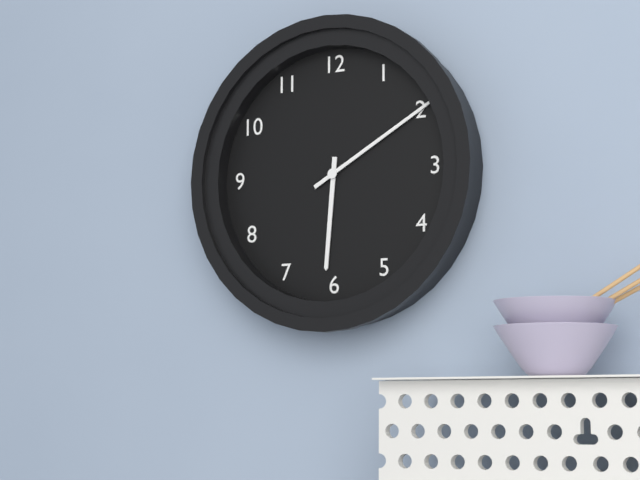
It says 6:10
